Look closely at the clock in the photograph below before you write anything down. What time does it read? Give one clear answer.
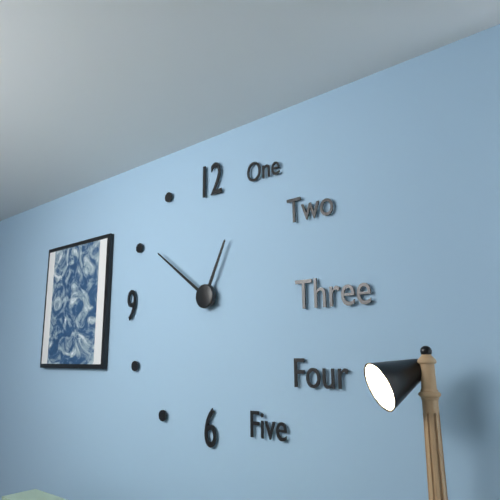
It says 12:51
